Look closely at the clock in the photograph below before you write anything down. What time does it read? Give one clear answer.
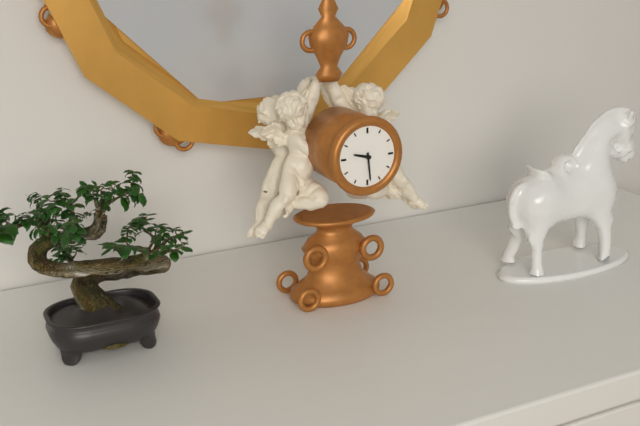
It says 9:29
